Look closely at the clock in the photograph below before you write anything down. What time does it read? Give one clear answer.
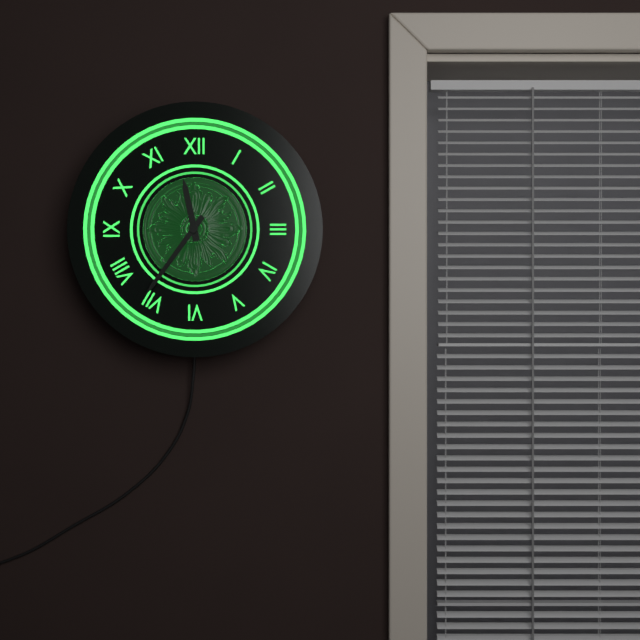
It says 11:36
